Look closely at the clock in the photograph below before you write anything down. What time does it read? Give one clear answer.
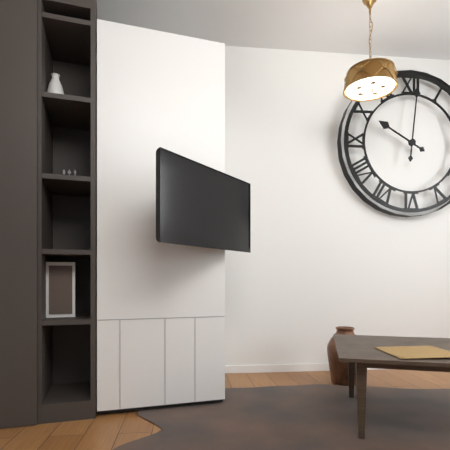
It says 10:01
